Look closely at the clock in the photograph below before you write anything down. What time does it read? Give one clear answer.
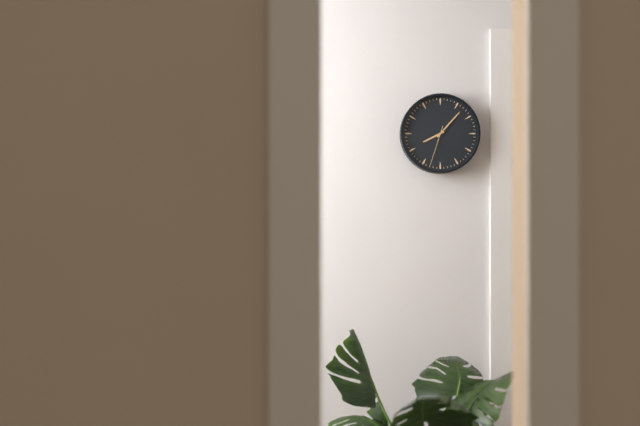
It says 8:07
